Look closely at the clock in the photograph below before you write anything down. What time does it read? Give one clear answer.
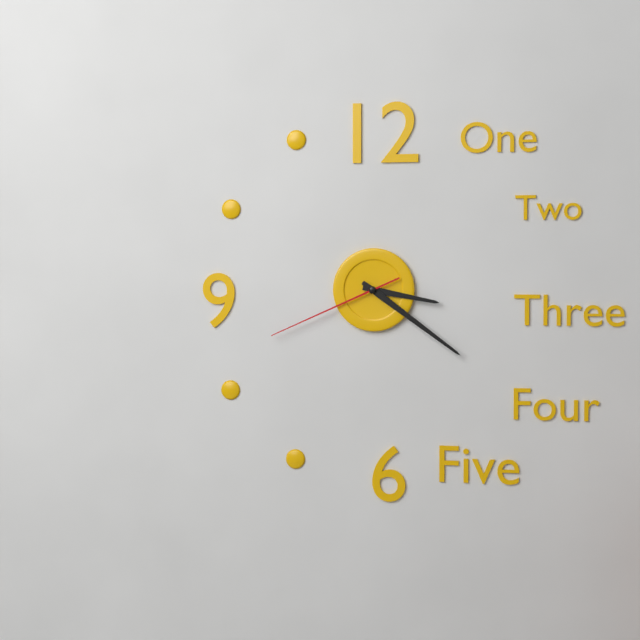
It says 3:21:41
